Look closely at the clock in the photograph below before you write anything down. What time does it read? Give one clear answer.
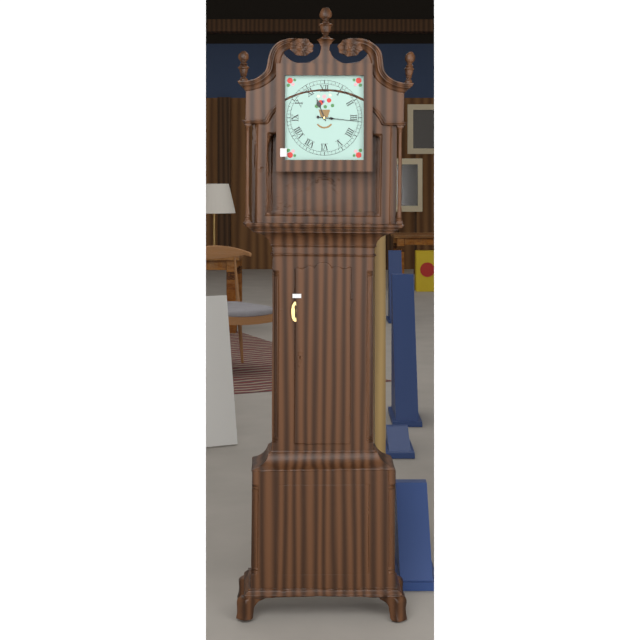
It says 11:16
